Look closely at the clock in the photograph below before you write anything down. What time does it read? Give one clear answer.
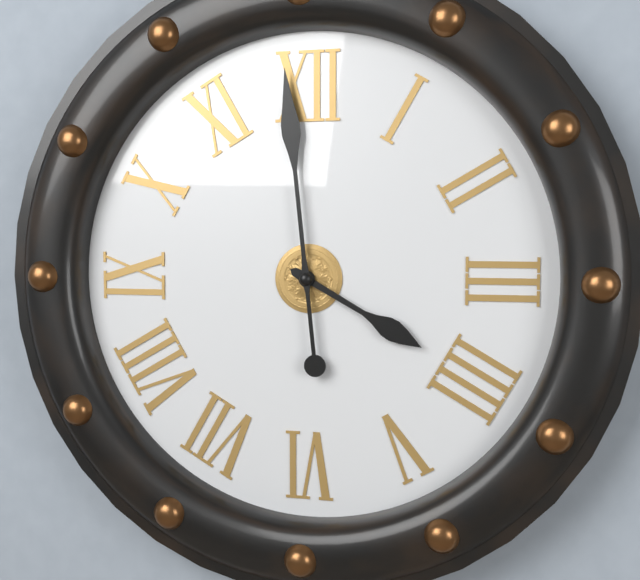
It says 3:59
